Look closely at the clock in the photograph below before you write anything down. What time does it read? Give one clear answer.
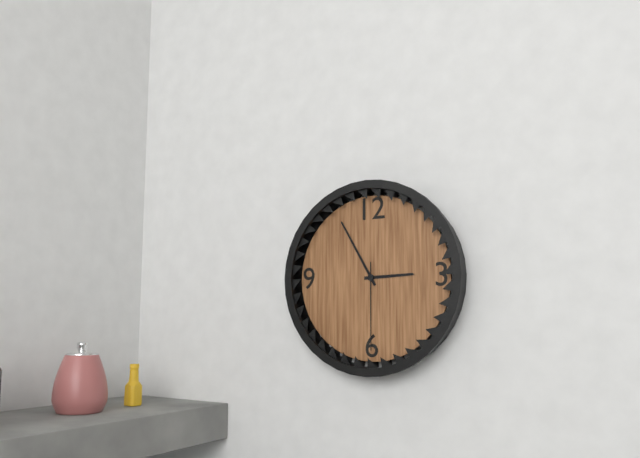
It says 2:55:30
